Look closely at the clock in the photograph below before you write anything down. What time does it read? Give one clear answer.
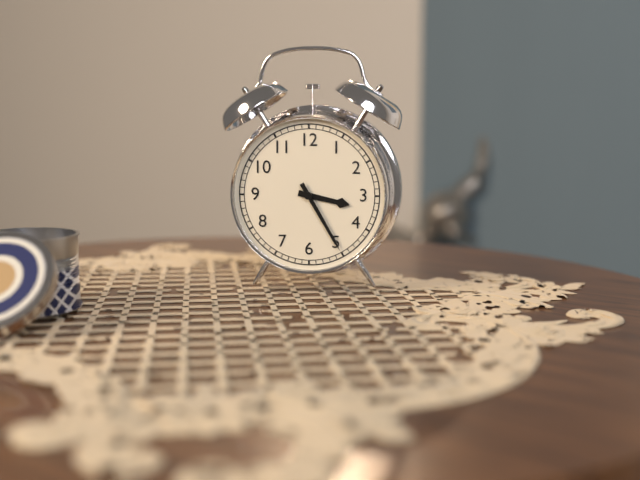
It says 3:25
